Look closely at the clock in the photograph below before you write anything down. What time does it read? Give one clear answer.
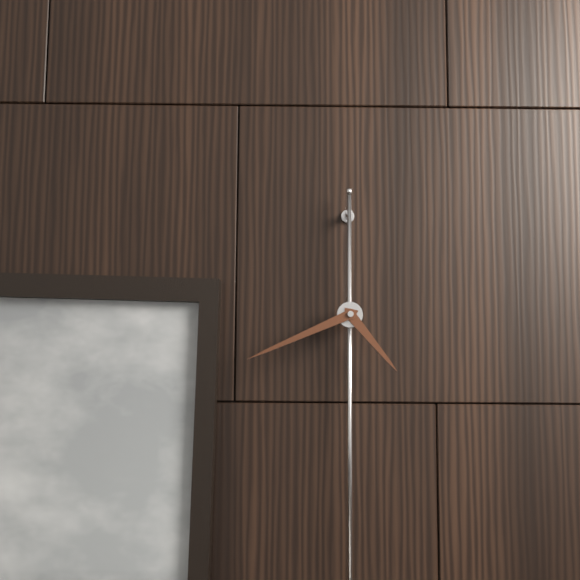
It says 4:41
